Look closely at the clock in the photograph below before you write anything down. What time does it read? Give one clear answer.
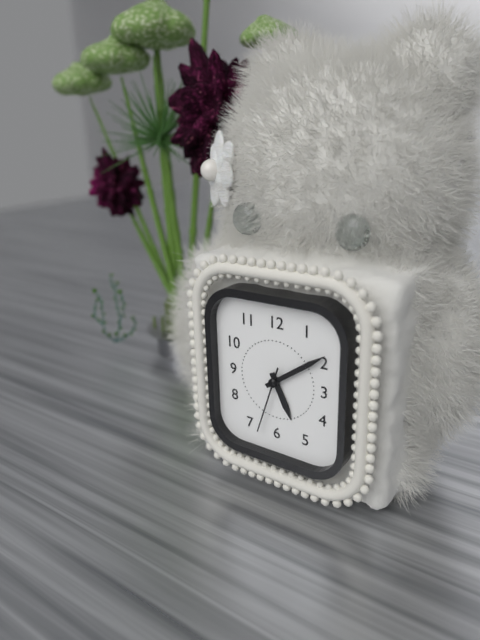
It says 5:09:33
